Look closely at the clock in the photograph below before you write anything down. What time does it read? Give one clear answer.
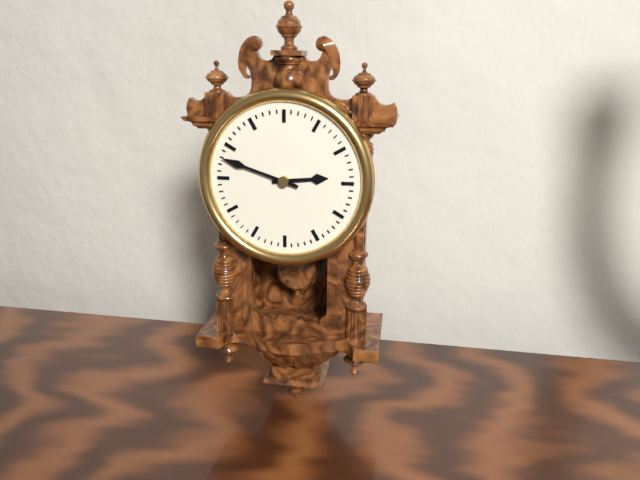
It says 2:48
